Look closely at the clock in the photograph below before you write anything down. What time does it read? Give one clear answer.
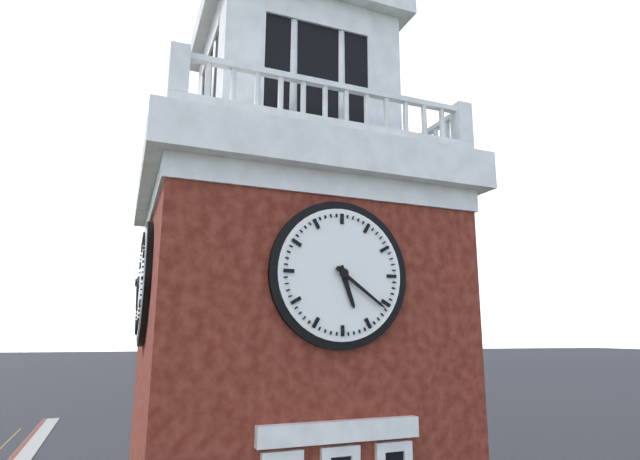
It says 5:21
